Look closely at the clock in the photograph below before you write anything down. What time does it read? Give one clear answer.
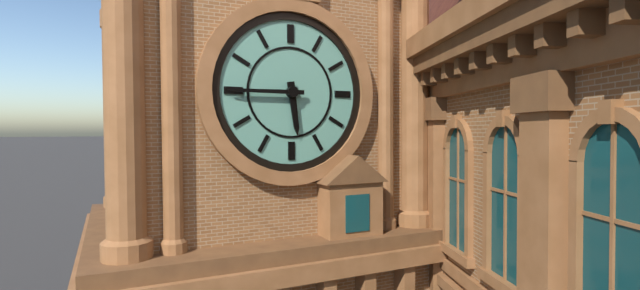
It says 5:45
